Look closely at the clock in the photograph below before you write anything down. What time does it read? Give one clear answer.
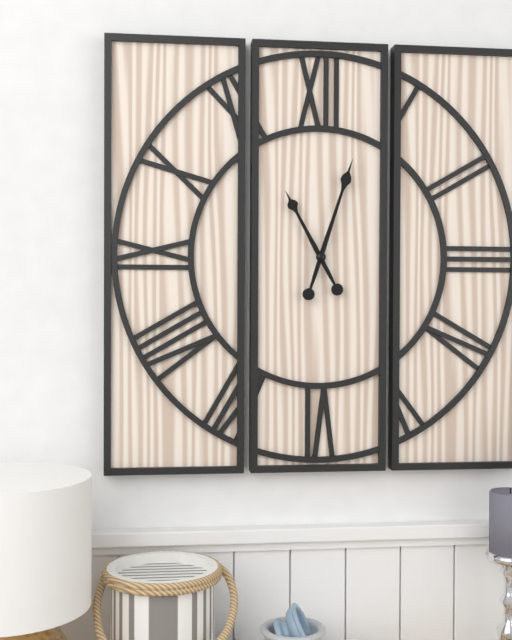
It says 11:03
